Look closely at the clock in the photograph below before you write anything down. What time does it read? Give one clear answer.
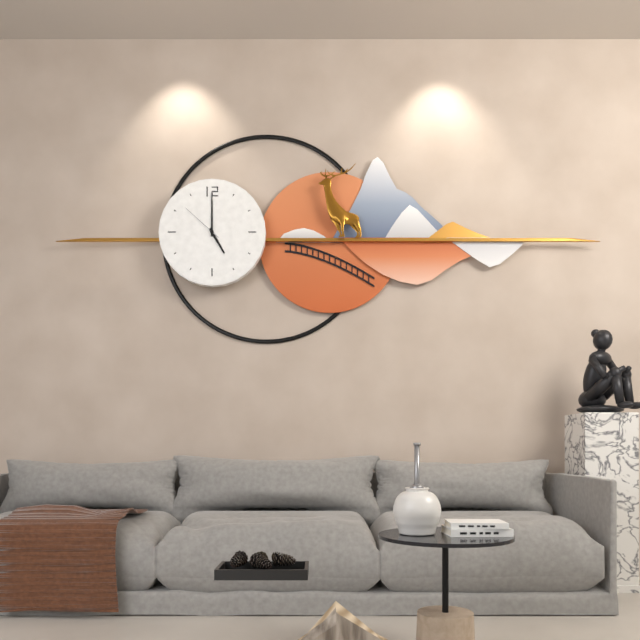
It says 5:00
